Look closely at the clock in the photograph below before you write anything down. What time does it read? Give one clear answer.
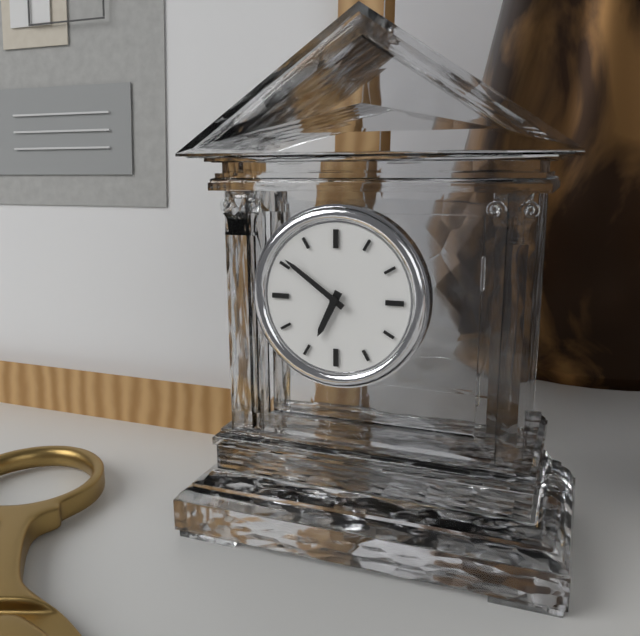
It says 6:51
